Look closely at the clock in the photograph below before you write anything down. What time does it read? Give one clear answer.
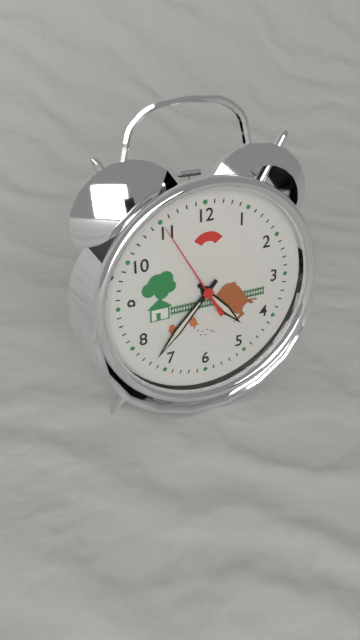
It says 4:37:55
